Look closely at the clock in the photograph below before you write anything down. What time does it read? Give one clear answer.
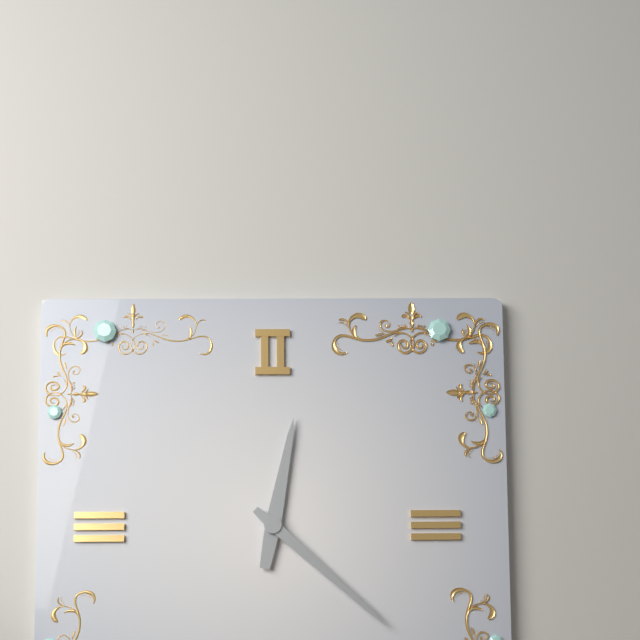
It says 12:22
